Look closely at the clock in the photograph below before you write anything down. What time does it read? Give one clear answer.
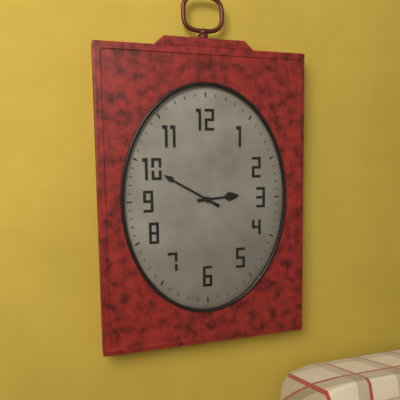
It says 2:50
